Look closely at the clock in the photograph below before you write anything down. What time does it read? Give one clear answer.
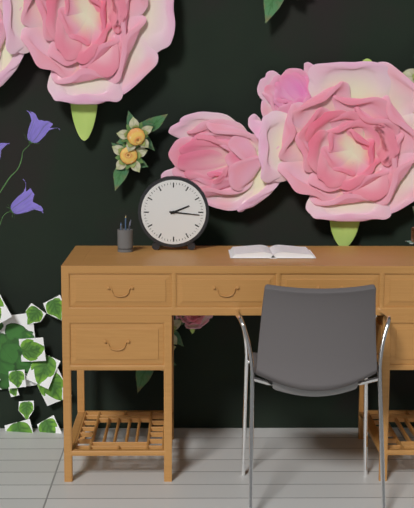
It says 2:16
